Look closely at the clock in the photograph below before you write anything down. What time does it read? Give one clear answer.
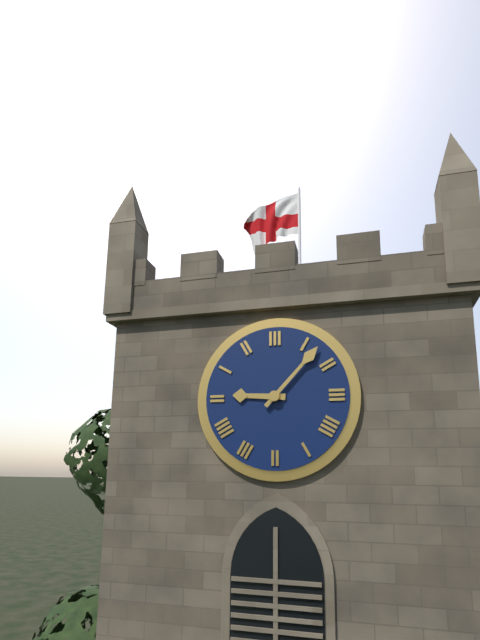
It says 9:07
